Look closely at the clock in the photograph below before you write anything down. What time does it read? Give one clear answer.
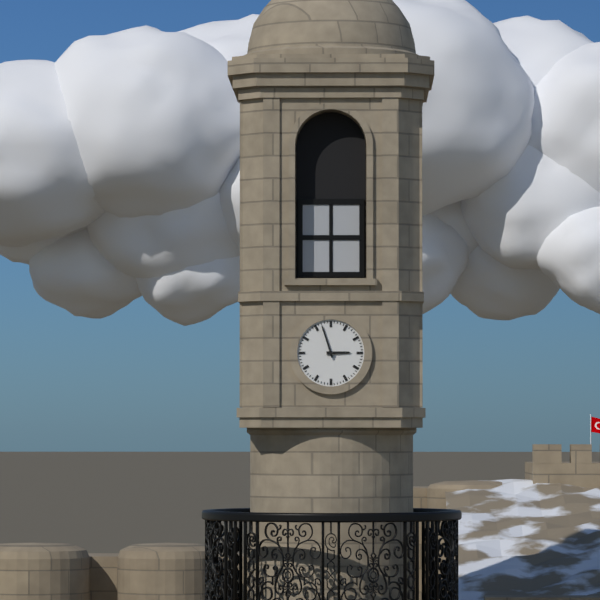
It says 2:57
